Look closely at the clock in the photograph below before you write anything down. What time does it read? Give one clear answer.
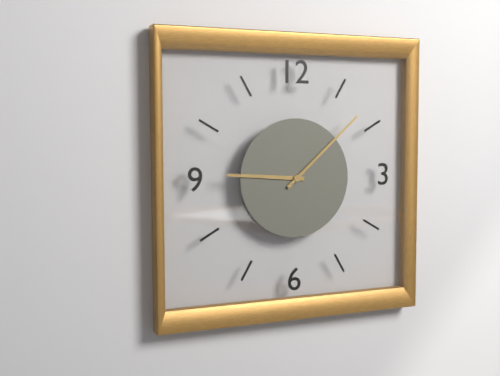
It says 9:08
